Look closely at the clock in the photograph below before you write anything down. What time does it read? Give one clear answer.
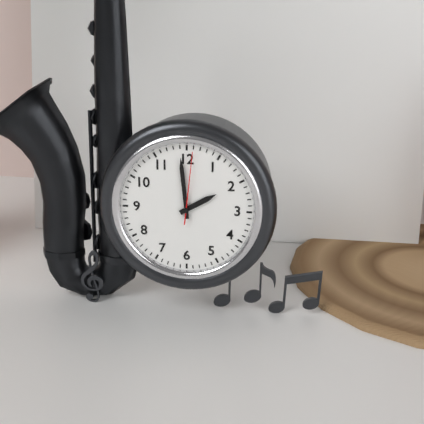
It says 1:59:01
